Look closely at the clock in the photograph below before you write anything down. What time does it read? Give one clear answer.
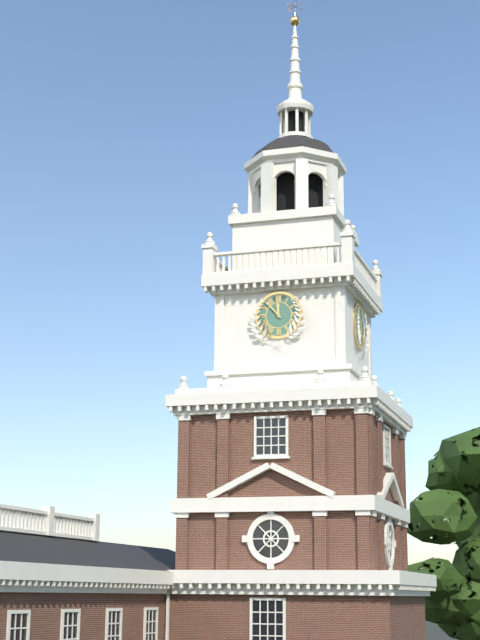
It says 11:53
